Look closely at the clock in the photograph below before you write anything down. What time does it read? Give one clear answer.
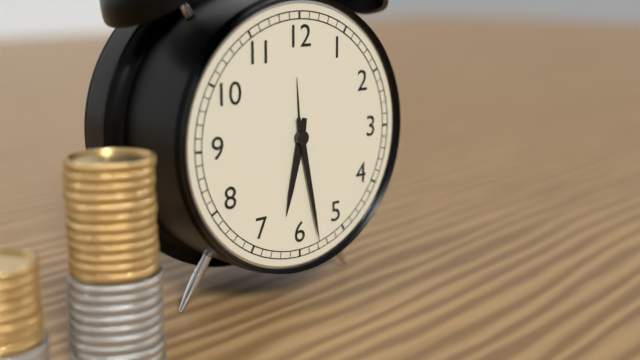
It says 6:28
